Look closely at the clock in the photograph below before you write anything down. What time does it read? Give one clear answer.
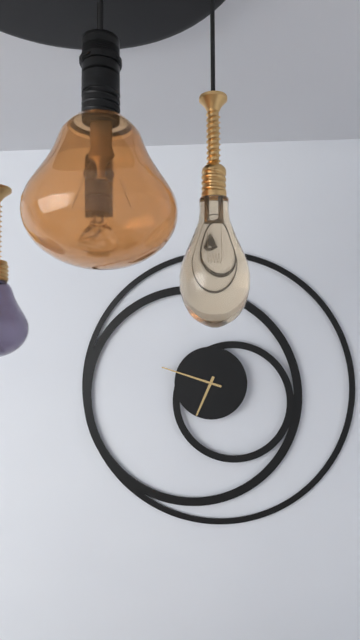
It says 6:48
